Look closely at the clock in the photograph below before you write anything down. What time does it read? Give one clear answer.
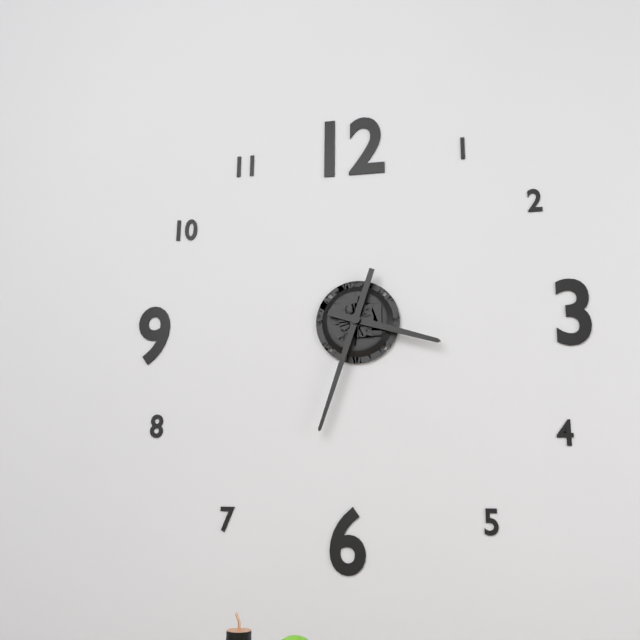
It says 3:33
